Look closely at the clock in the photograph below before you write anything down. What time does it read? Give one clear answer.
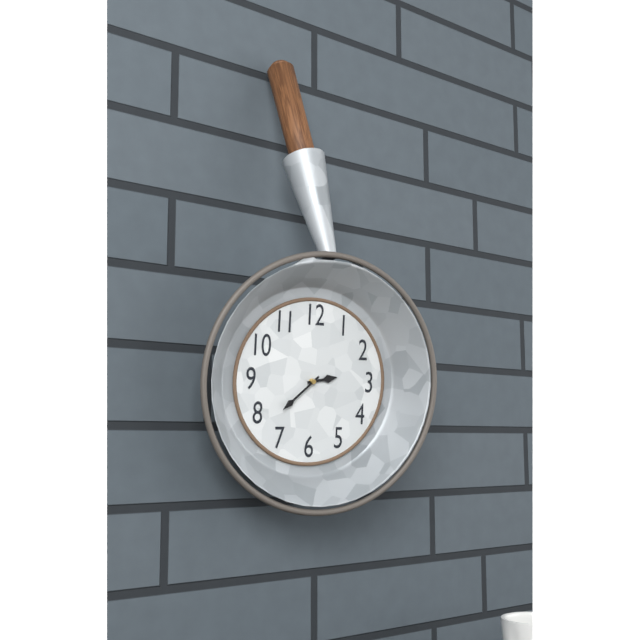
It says 2:38
